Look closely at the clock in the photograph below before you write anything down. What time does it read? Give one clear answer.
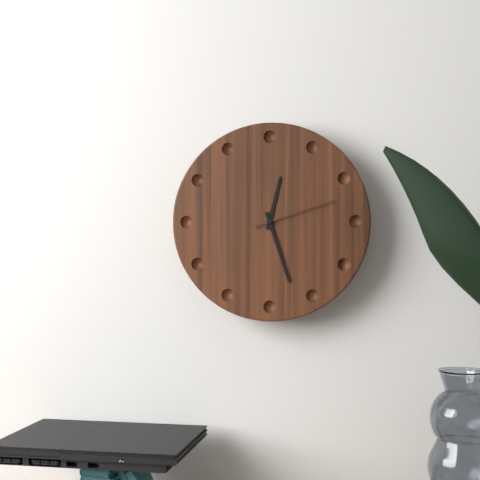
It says 12:27:12
